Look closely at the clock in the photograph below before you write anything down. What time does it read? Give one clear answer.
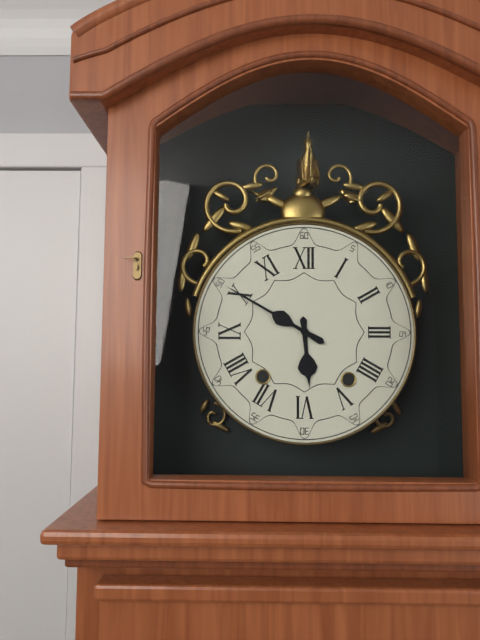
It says 5:50
